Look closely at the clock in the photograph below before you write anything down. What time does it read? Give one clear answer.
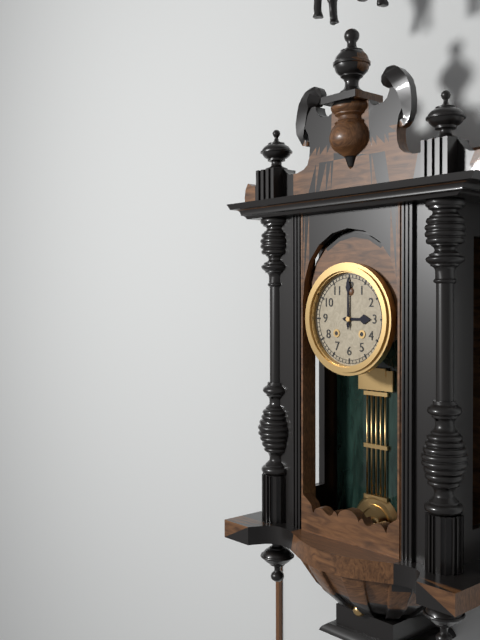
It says 3:00
